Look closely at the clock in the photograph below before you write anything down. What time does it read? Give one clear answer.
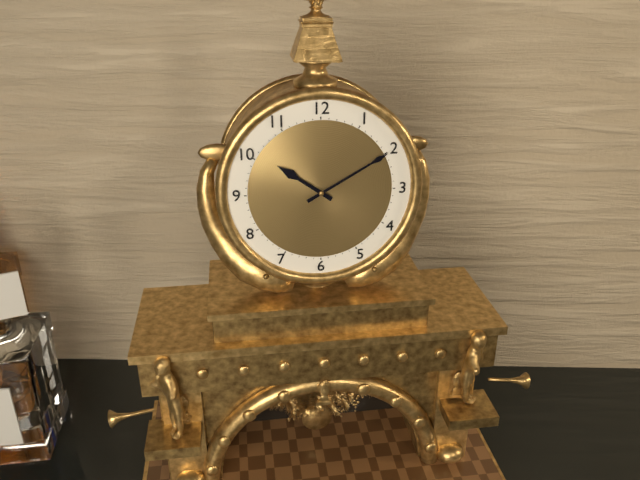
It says 10:10
